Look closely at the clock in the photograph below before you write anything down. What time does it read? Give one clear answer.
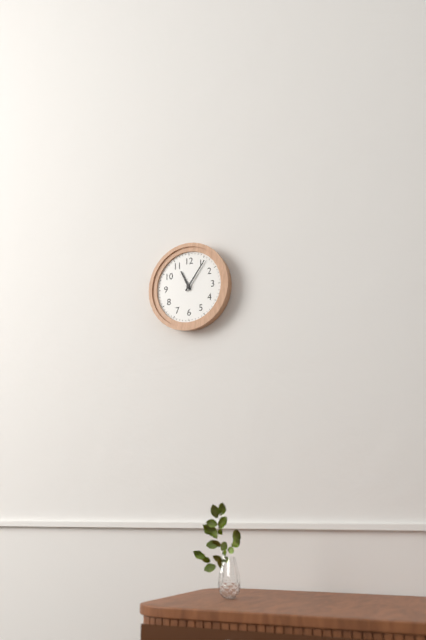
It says 11:06
